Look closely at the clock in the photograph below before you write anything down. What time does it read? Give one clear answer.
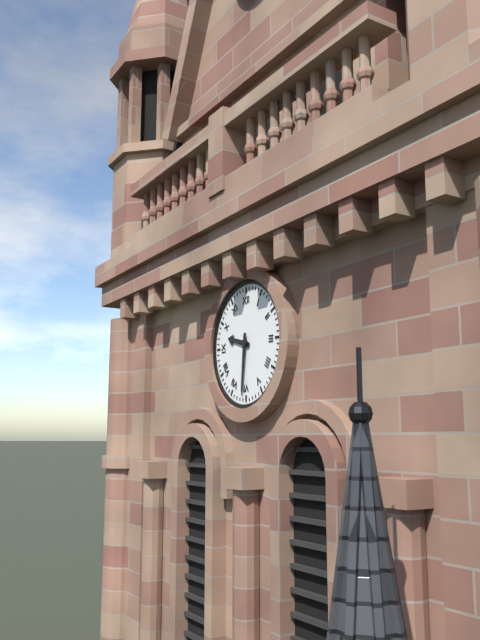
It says 9:31
